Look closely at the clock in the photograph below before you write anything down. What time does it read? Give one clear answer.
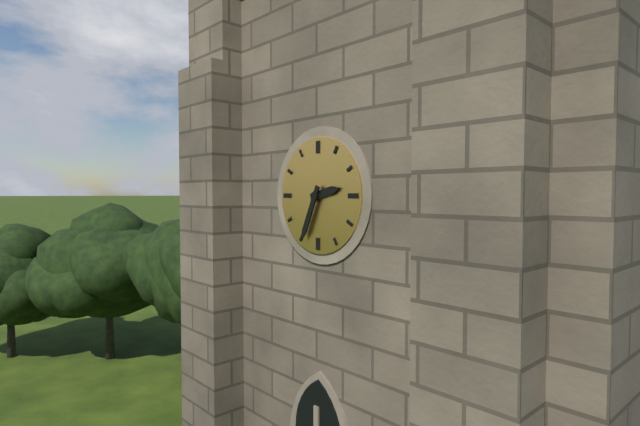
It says 2:34
